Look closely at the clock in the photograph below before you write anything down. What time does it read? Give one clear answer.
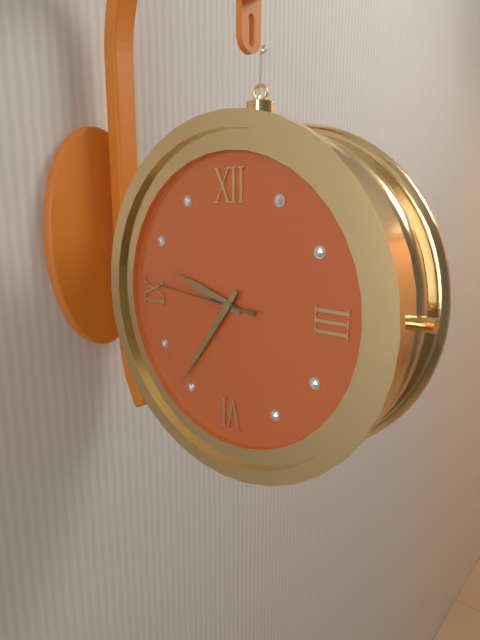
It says 9:36:46
